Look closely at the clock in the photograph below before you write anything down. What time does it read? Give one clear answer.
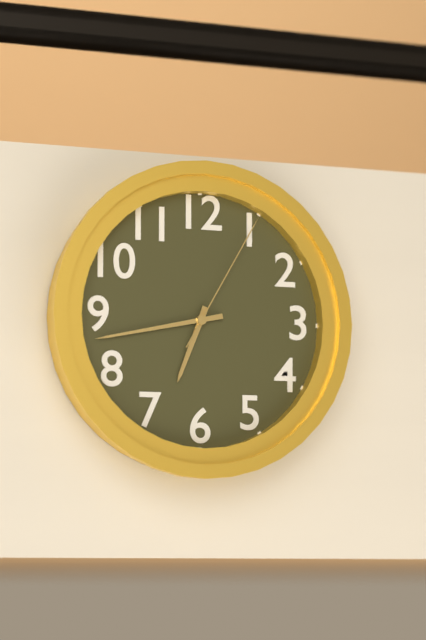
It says 6:43:05
